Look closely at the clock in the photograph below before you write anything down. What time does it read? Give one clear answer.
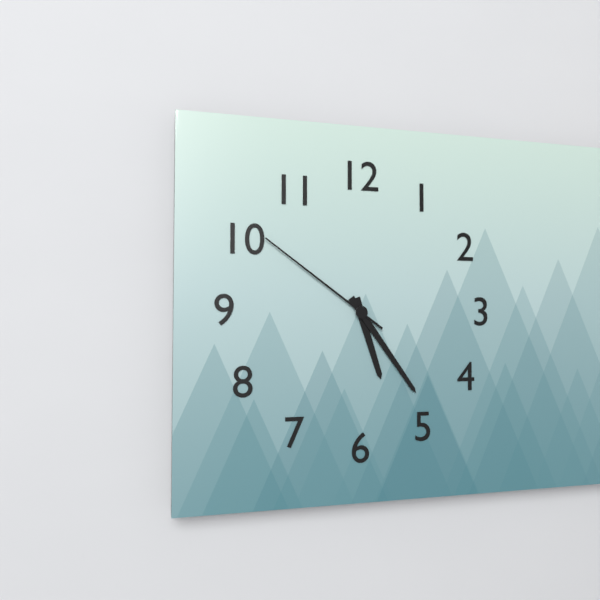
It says 5:24:51
